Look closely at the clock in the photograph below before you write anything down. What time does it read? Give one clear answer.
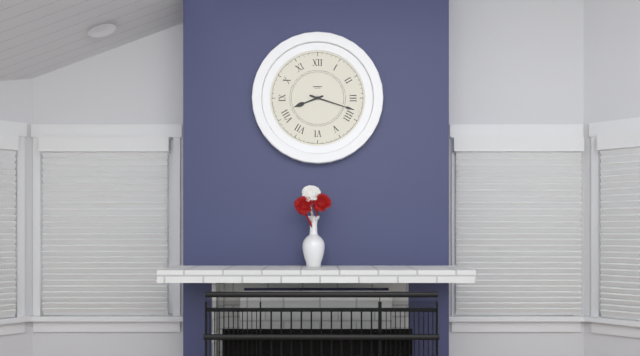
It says 8:18
